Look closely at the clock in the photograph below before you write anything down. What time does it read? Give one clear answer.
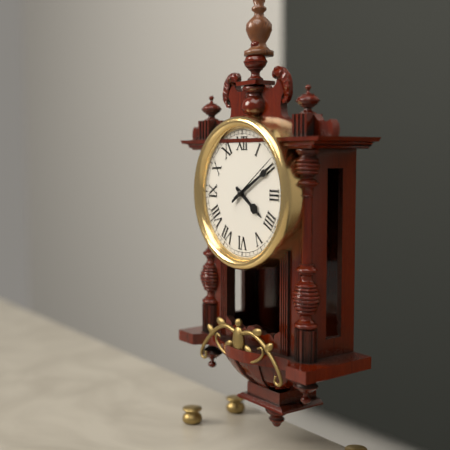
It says 4:10:09
